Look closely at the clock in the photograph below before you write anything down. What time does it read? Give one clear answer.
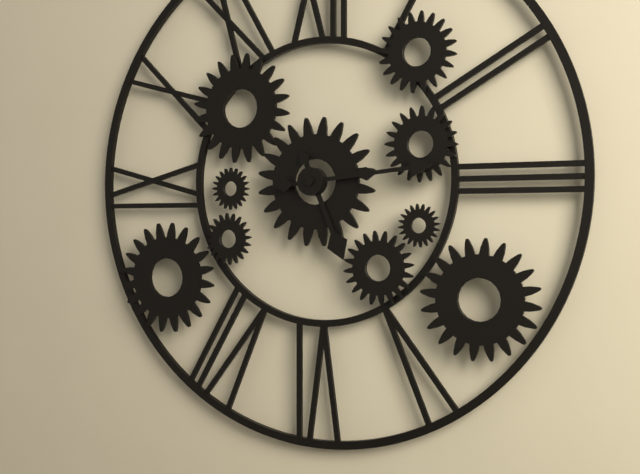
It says 5:14
